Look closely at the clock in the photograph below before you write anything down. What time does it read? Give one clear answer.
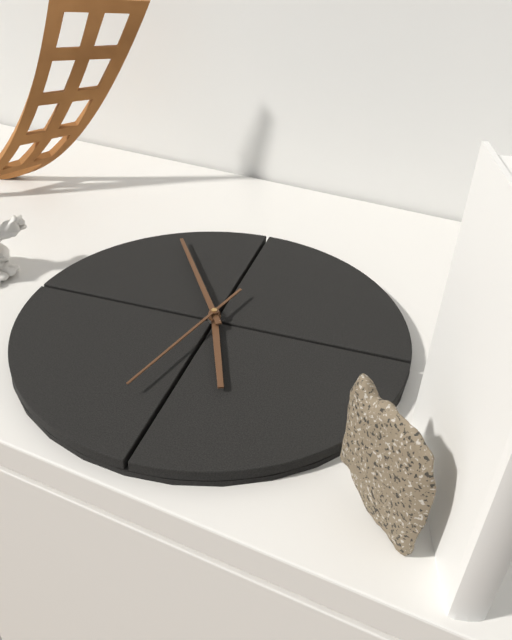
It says 5:58:36
